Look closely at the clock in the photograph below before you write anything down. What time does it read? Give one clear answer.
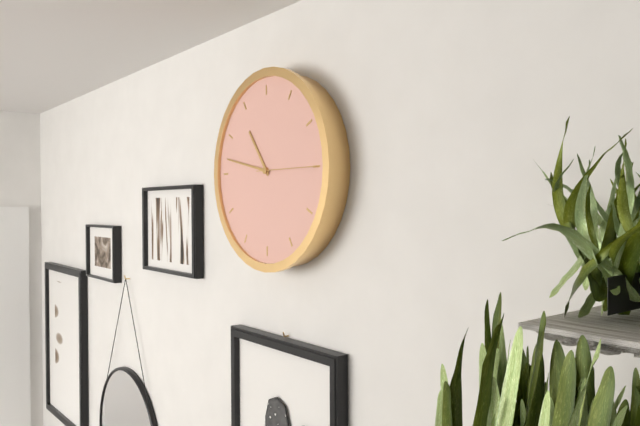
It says 10:47:15
